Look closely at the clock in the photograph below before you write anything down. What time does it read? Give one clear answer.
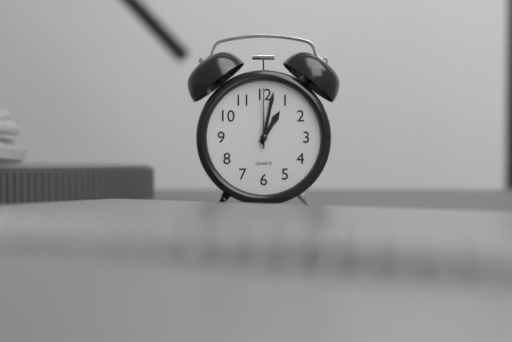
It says 1:02:00
